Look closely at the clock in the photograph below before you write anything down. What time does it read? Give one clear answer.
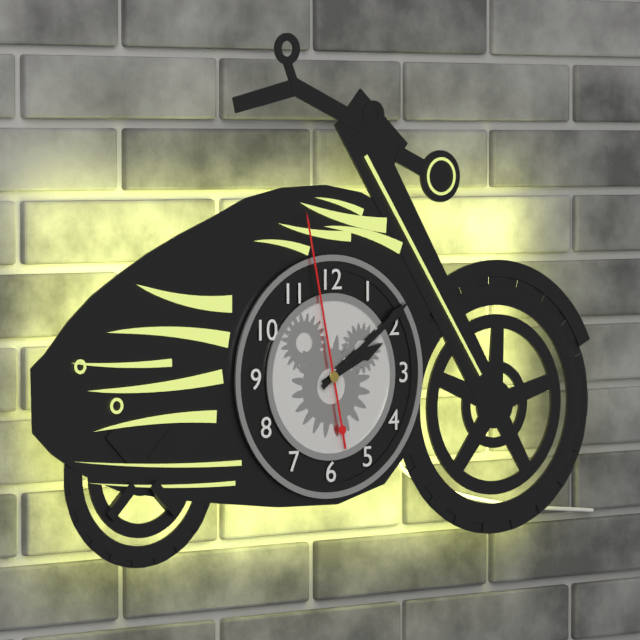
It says 2:09:58
